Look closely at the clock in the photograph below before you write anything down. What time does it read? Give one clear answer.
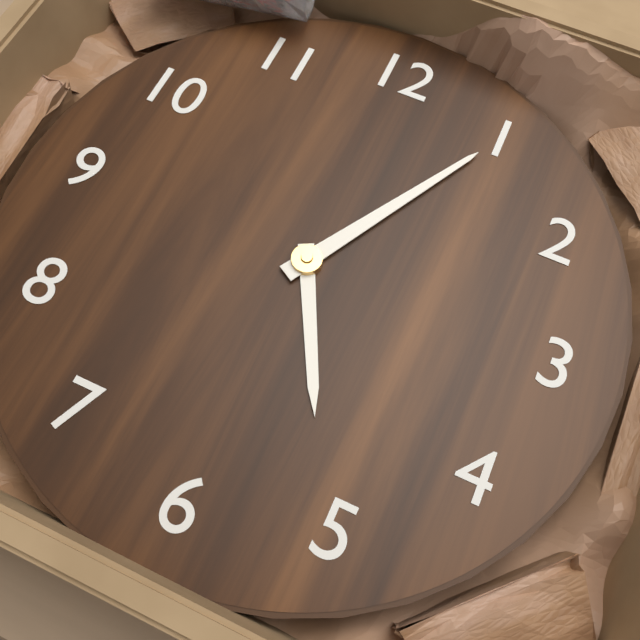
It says 5:05
